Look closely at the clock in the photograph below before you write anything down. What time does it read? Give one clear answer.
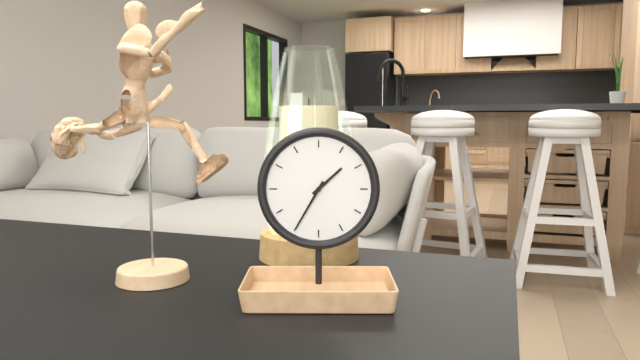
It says 1:35
